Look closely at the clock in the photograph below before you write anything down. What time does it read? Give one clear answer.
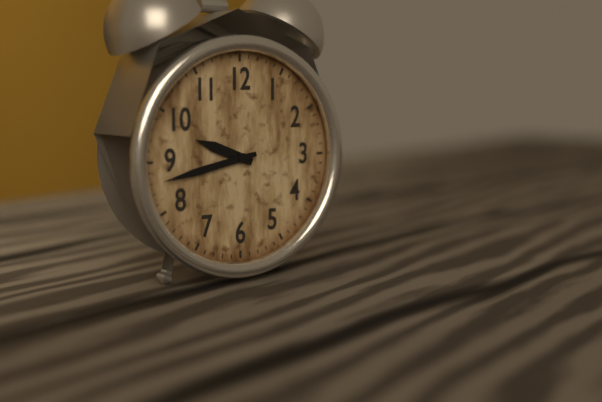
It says 9:43
